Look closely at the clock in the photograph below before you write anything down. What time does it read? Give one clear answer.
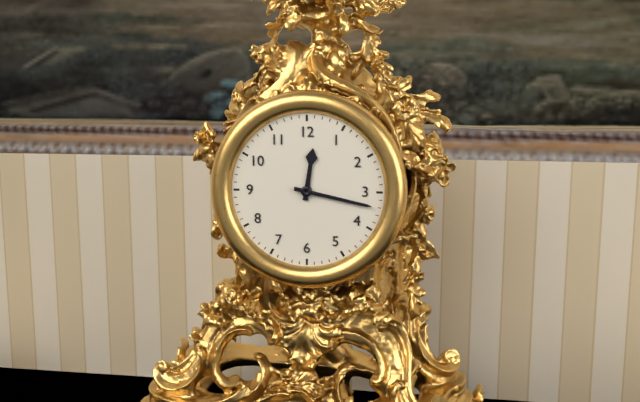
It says 12:17
